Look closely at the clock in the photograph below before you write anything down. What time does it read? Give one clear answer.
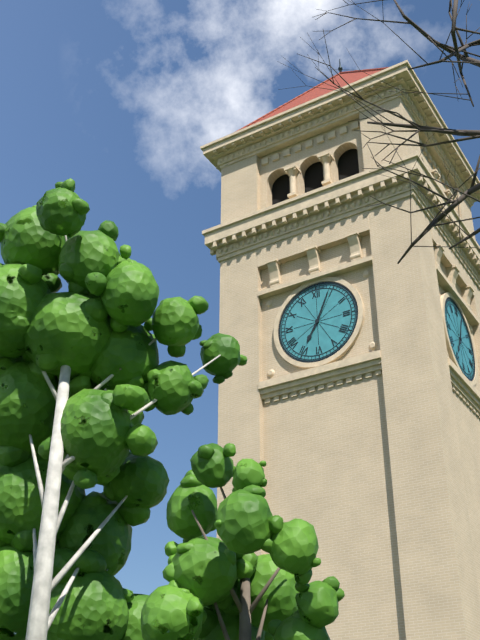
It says 7:04
